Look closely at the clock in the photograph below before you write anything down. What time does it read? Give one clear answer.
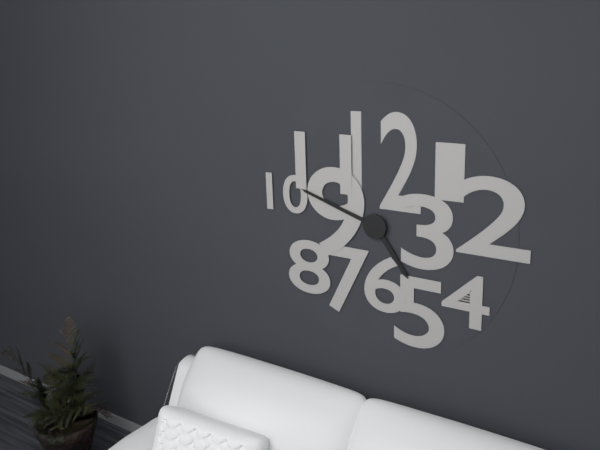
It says 4:48
